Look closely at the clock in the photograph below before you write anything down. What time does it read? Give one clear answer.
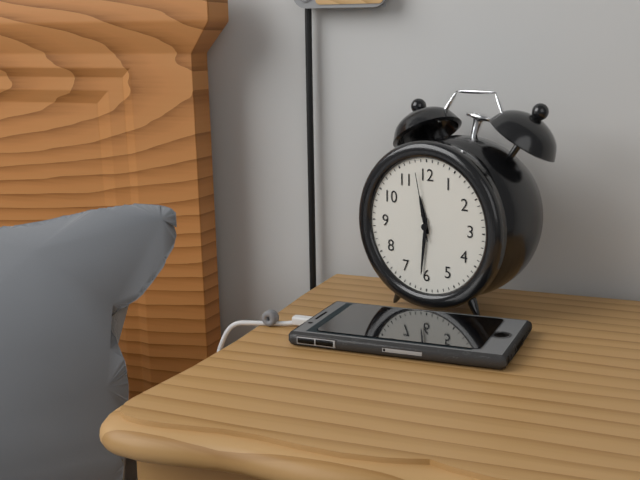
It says 11:31:58
